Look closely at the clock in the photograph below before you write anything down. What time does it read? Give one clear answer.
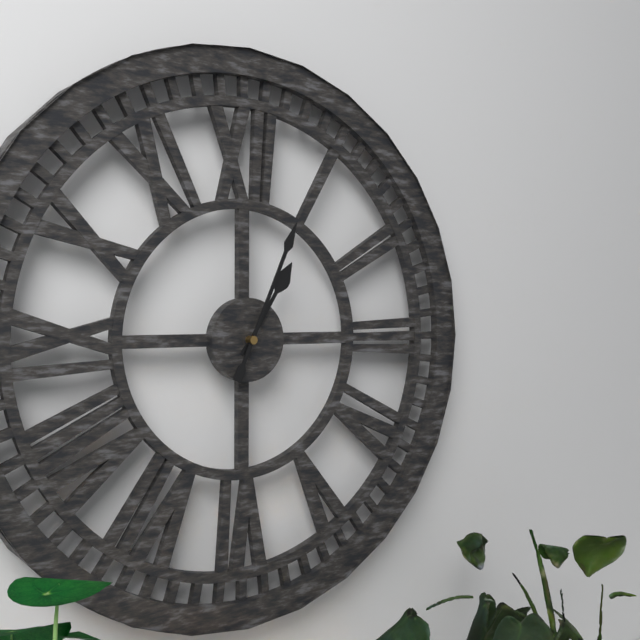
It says 1:04
